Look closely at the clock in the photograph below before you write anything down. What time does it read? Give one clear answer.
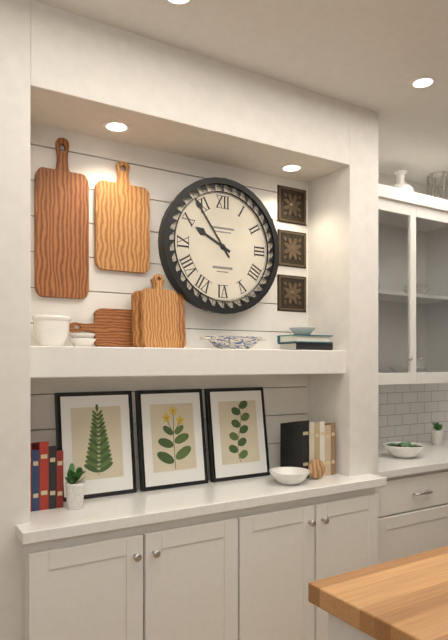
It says 9:54
